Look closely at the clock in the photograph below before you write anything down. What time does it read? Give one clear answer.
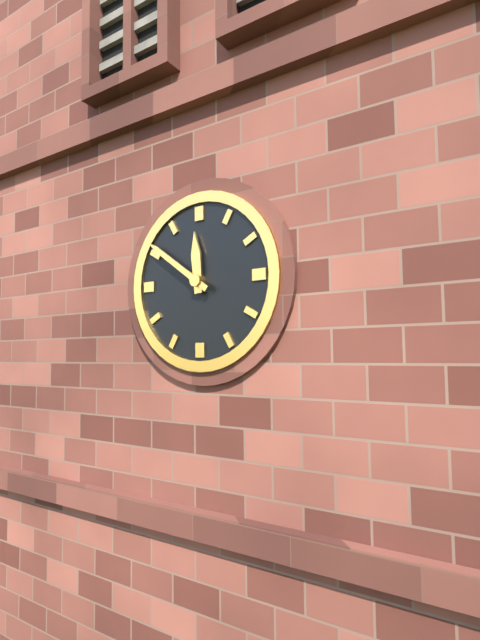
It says 11:51
